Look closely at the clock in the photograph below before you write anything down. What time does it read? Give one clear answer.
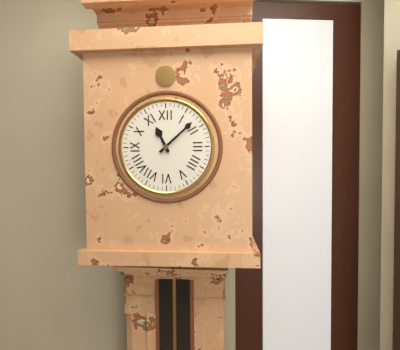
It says 11:08
